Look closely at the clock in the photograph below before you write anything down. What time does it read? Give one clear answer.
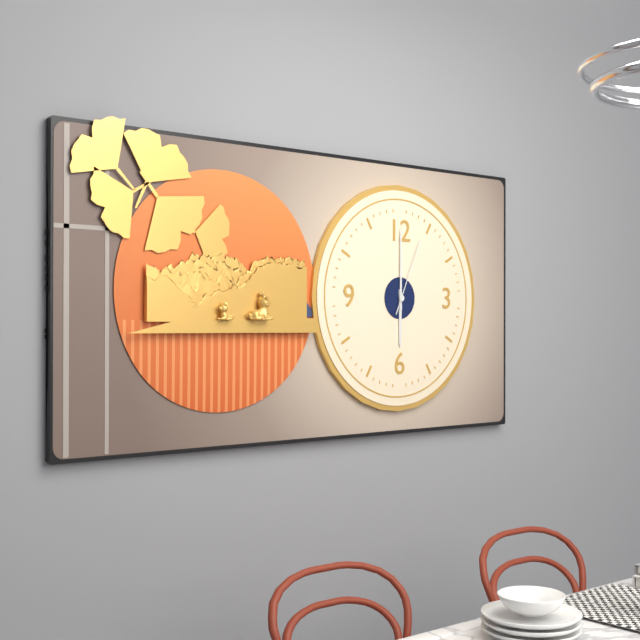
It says 6:00:04
